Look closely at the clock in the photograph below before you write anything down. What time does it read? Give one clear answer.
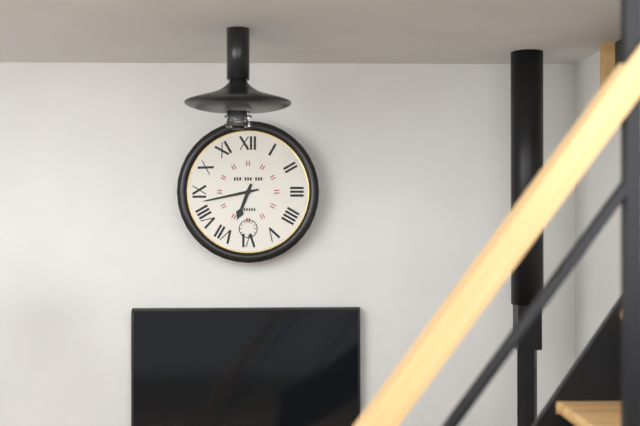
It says 6:43
